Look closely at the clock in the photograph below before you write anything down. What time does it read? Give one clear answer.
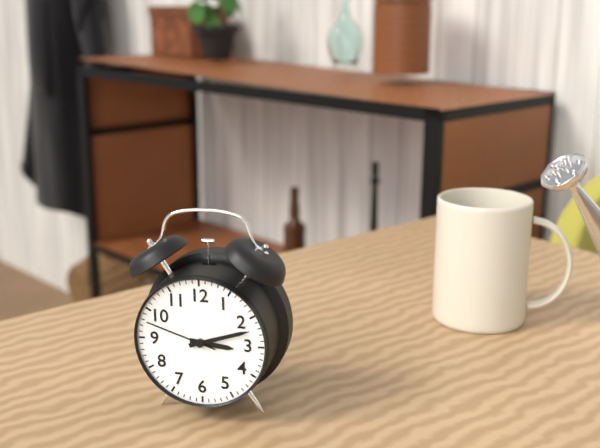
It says 3:12:48
